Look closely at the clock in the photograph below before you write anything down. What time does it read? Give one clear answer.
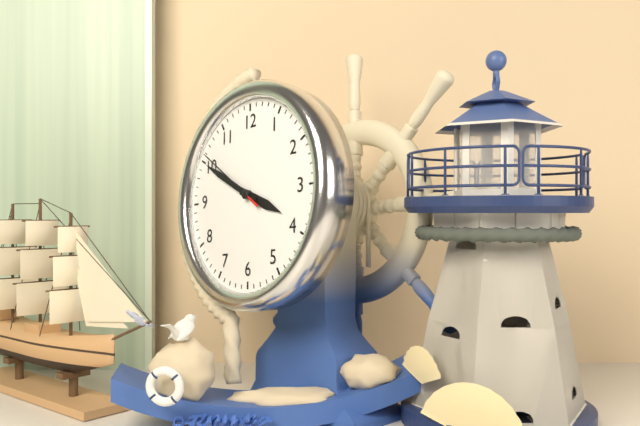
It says 3:50:51
